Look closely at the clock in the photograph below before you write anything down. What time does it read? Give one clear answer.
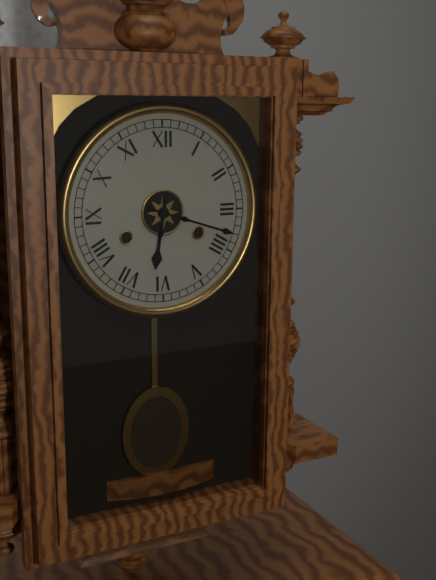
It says 6:18
